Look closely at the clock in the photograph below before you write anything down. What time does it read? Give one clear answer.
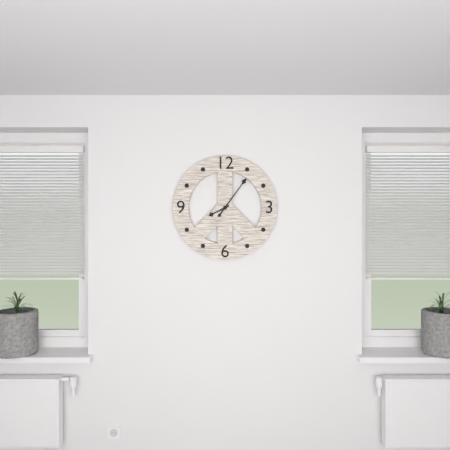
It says 8:06
